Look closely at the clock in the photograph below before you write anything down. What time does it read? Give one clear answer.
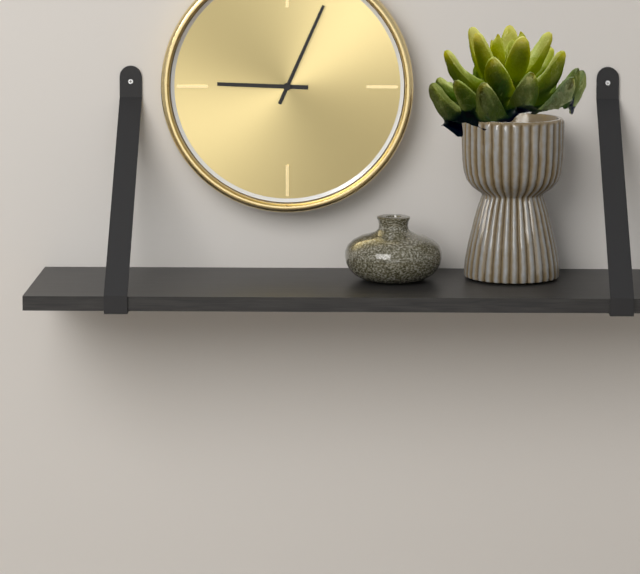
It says 9:04
